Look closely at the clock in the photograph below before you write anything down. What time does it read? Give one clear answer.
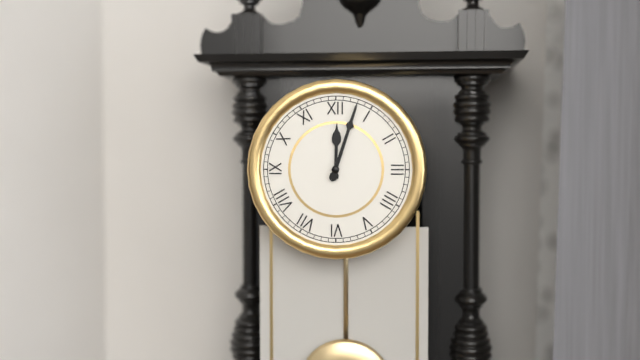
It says 12:03
